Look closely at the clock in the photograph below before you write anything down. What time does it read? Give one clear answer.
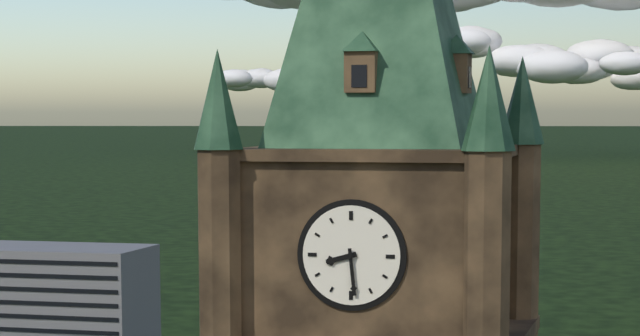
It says 8:29
